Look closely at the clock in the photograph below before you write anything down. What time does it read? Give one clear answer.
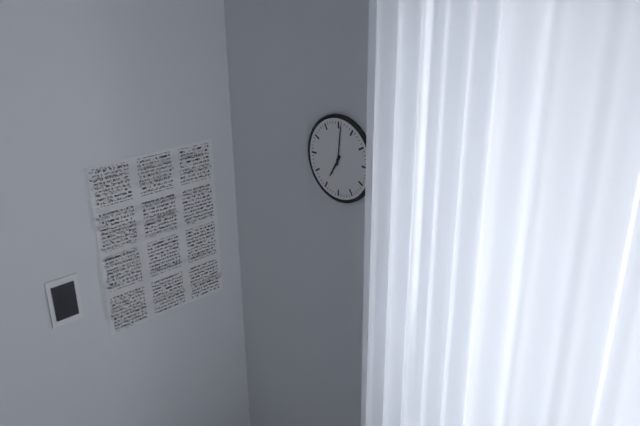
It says 7:01
